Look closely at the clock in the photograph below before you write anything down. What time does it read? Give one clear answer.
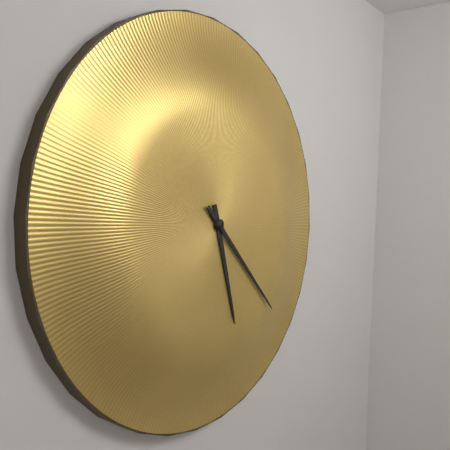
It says 5:22
